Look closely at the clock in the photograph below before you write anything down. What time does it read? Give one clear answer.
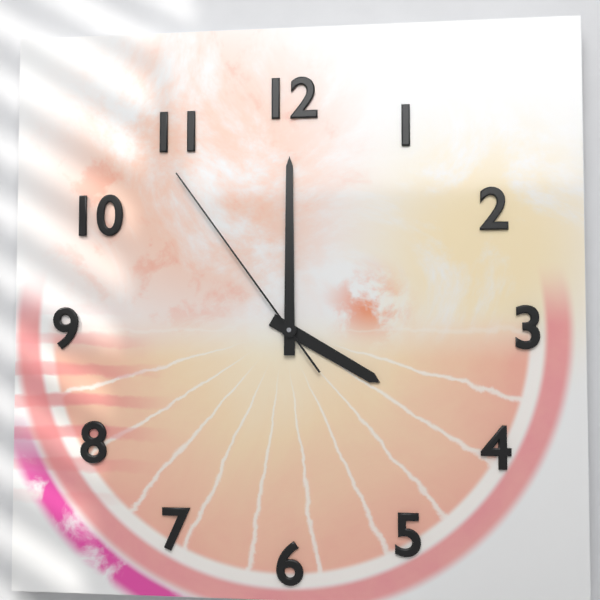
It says 4:00:54
